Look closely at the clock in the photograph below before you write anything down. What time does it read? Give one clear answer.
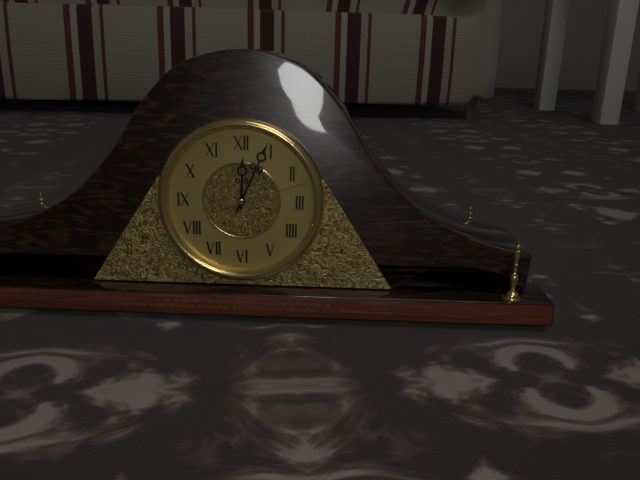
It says 12:04:12
